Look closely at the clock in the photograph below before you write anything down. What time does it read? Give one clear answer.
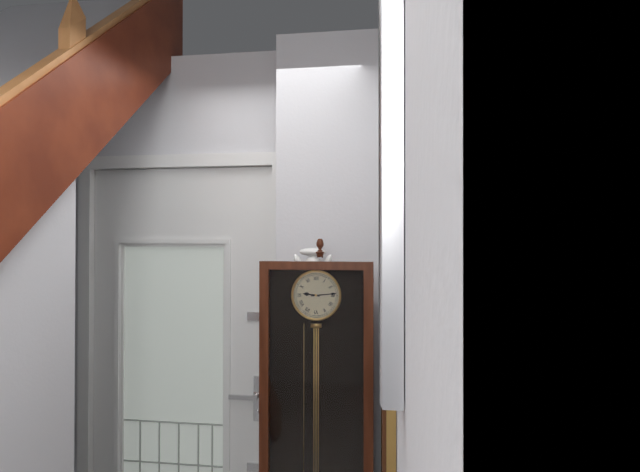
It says 9:14
